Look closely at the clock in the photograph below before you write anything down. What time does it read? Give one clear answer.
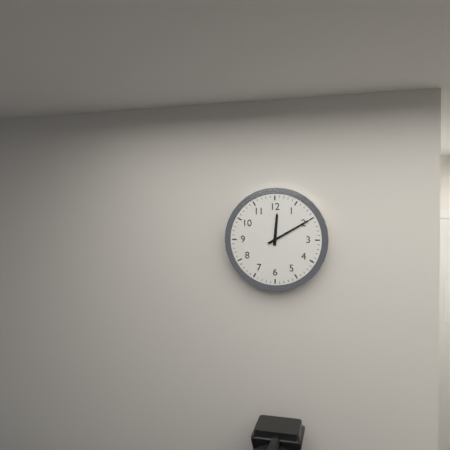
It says 12:10
